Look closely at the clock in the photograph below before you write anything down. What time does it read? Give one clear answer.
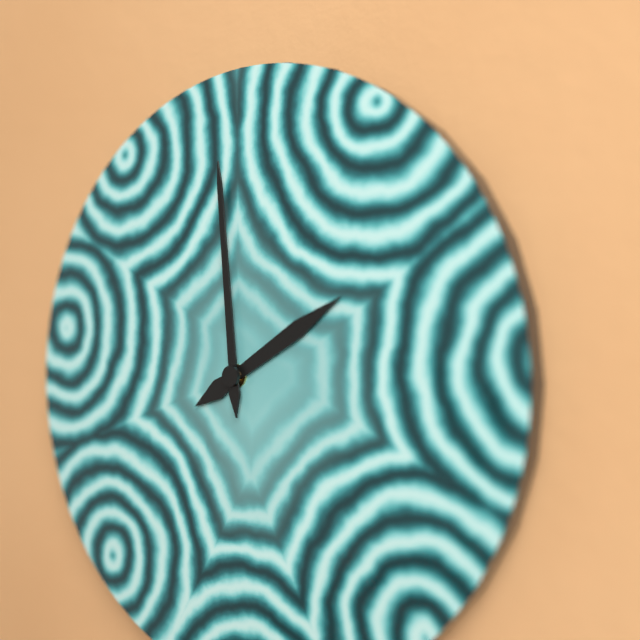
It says 1:59
